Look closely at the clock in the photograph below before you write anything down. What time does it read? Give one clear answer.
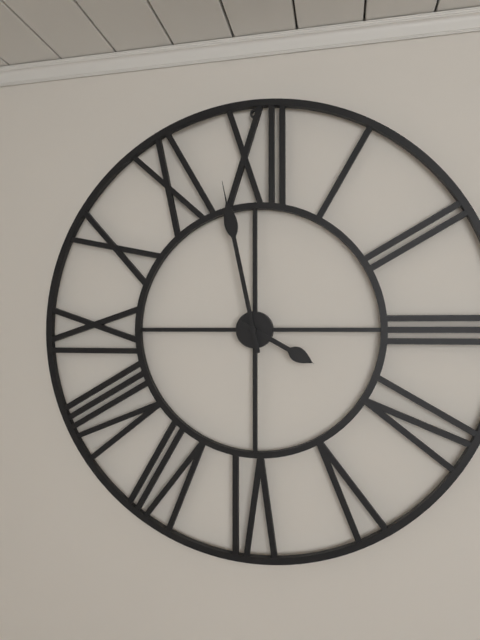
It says 3:58
